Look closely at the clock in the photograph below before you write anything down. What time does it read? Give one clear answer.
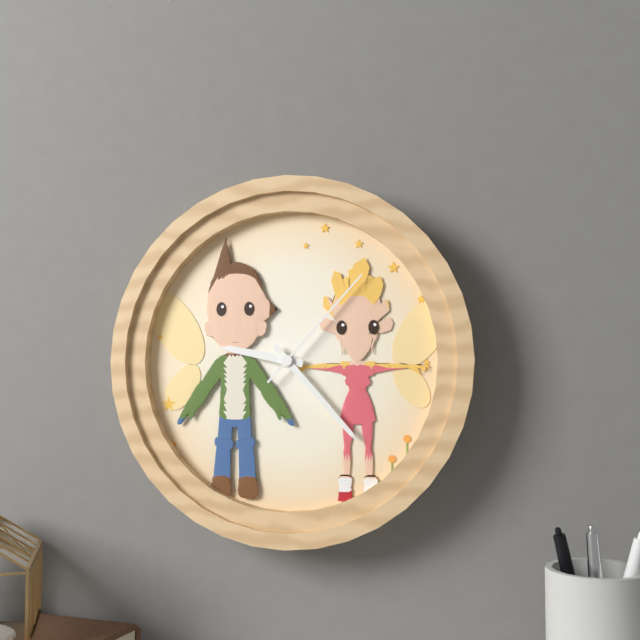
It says 9:23:07
